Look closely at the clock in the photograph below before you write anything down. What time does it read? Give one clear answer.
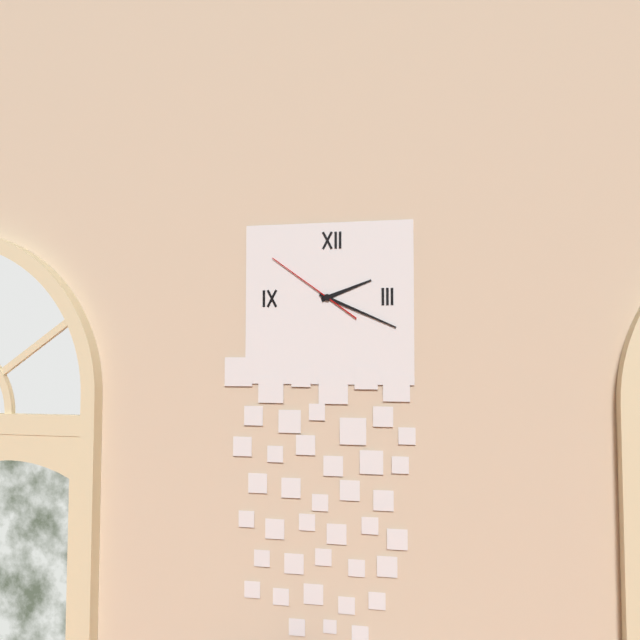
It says 2:19:51
